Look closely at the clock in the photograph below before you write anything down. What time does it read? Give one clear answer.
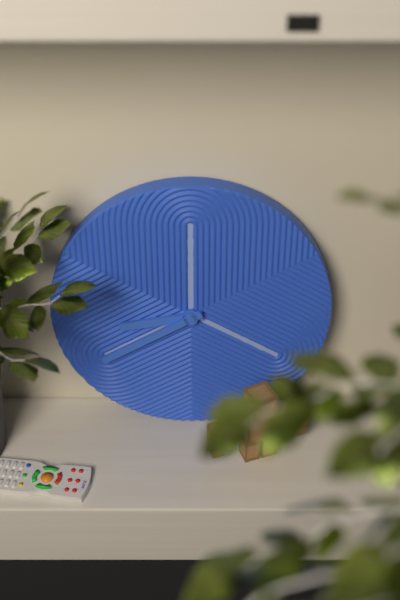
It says 8:40
